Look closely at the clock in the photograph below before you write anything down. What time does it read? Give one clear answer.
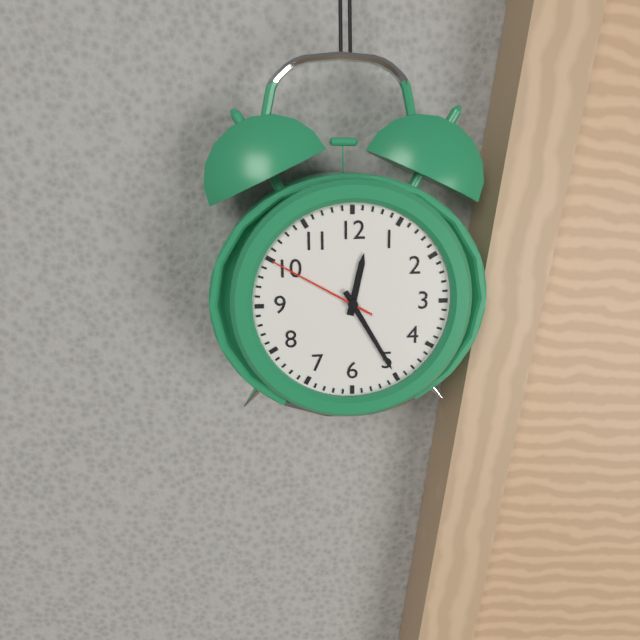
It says 12:25:50
